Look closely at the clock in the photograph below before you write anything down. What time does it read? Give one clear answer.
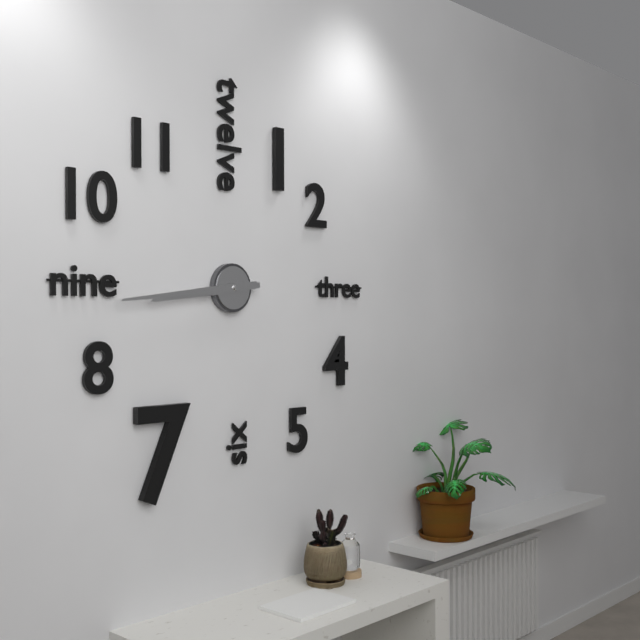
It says 8:44
